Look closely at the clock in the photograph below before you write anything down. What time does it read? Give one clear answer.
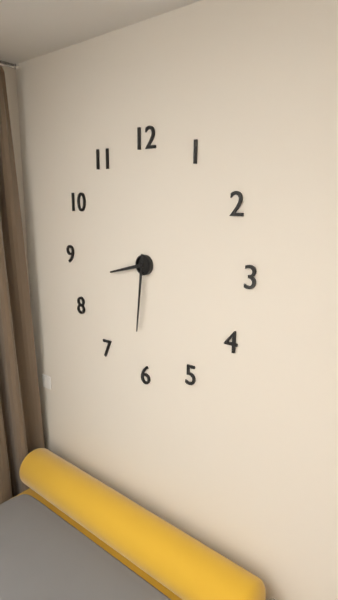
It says 8:31
